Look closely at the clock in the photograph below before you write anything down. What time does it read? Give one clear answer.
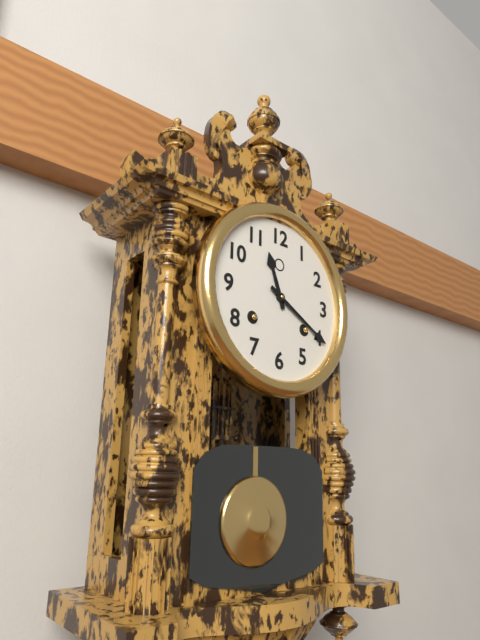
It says 11:20
